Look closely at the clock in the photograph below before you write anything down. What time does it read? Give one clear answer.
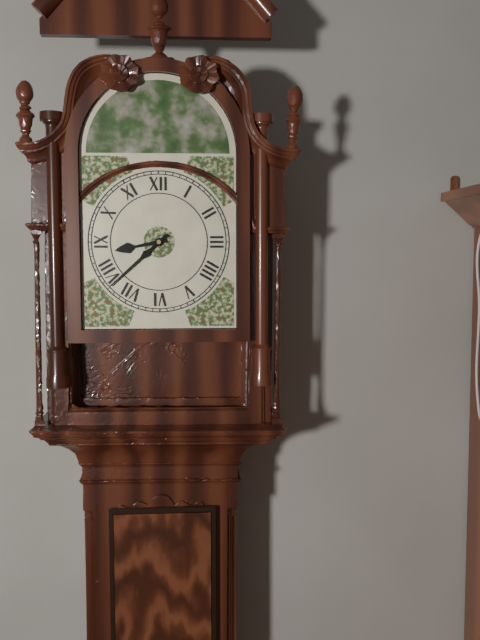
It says 8:38
